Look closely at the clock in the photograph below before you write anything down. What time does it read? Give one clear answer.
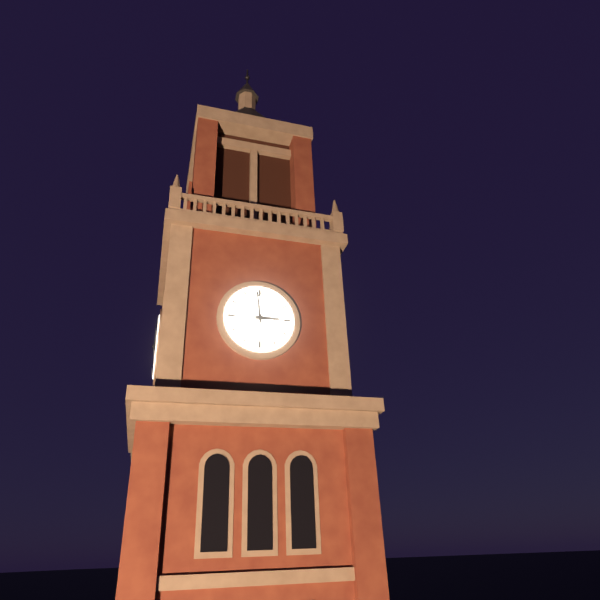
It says 2:59
